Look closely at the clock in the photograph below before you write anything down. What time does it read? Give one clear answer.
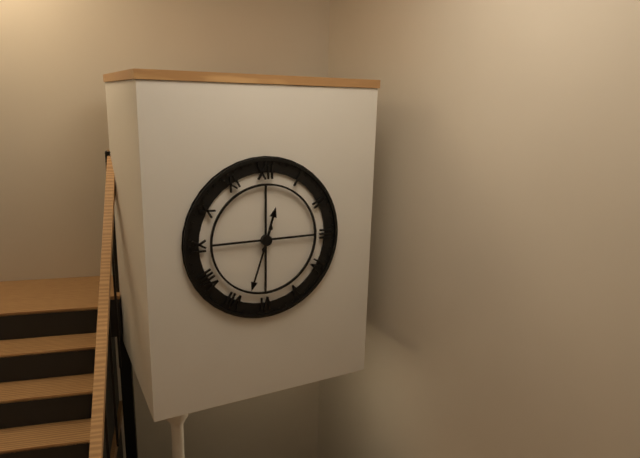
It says 12:33
